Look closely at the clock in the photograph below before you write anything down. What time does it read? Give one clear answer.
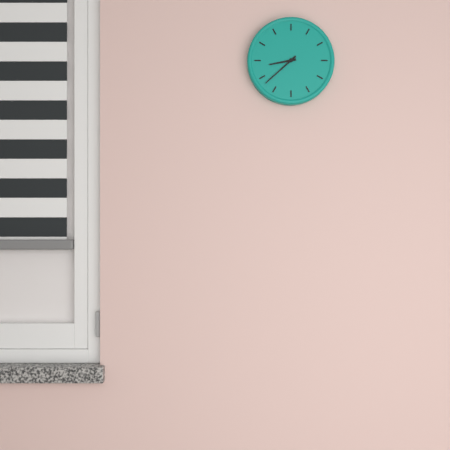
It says 8:38
